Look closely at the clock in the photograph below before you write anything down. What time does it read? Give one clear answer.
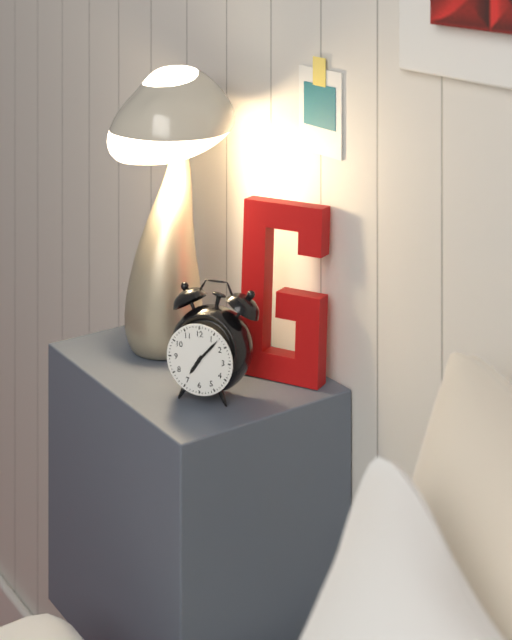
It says 7:07
